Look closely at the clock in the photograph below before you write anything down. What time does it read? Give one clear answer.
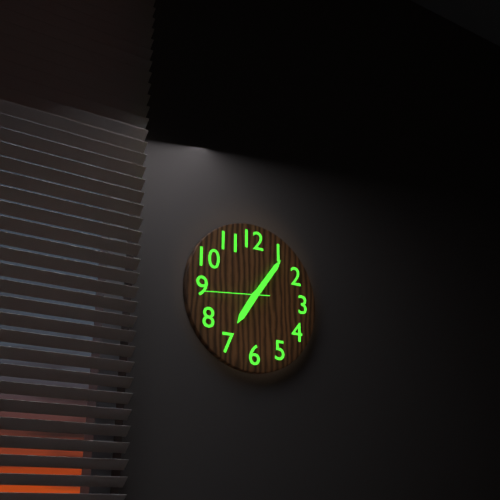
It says 7:06:44
